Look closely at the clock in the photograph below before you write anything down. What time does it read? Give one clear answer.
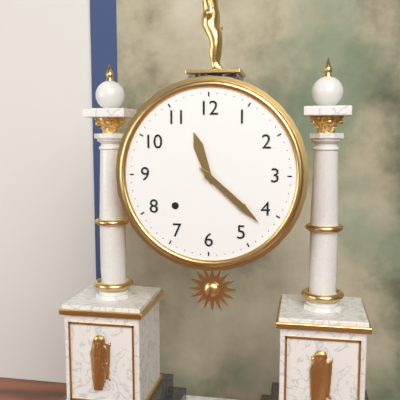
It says 11:22
